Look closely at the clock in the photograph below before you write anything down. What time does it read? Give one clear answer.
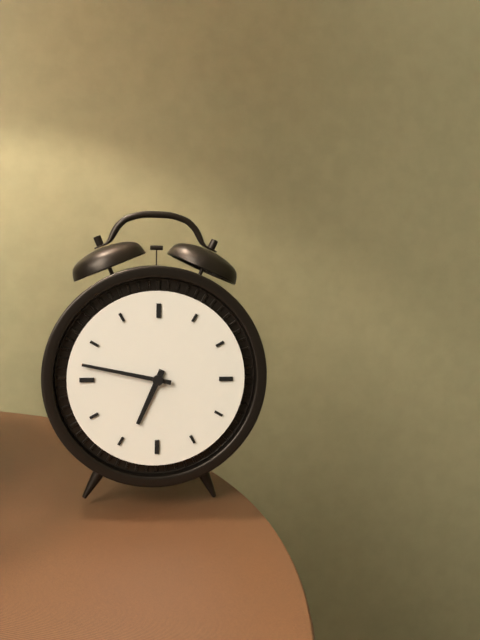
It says 6:47
